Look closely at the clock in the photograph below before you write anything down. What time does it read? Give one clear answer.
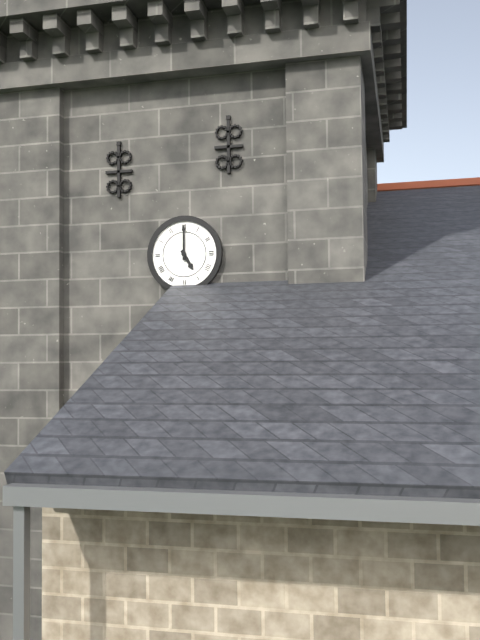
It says 5:00
